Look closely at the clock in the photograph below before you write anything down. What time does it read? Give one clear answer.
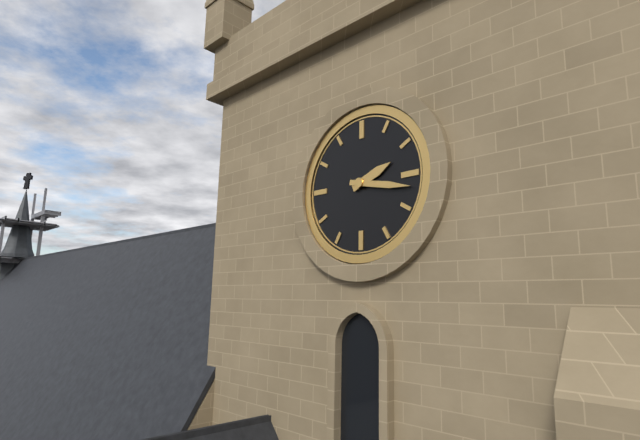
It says 2:17
